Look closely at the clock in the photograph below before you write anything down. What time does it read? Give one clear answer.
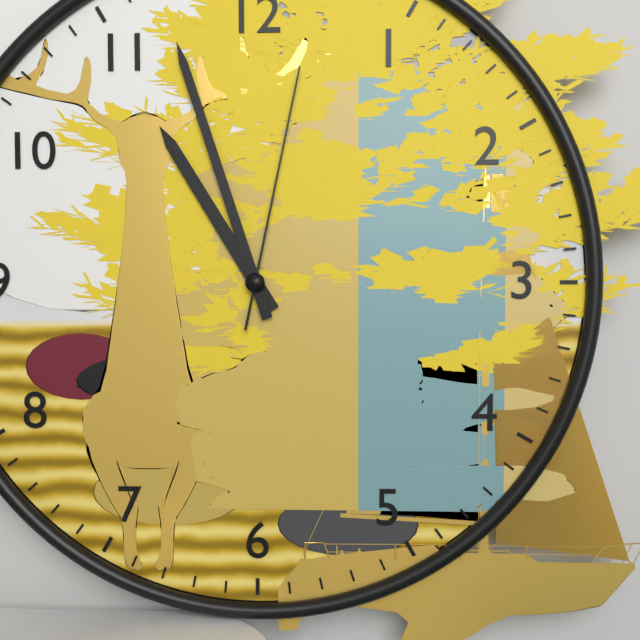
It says 10:57:02
